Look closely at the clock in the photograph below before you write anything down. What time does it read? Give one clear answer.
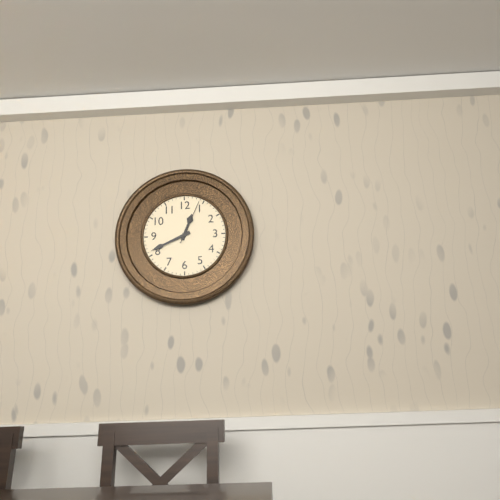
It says 12:41
